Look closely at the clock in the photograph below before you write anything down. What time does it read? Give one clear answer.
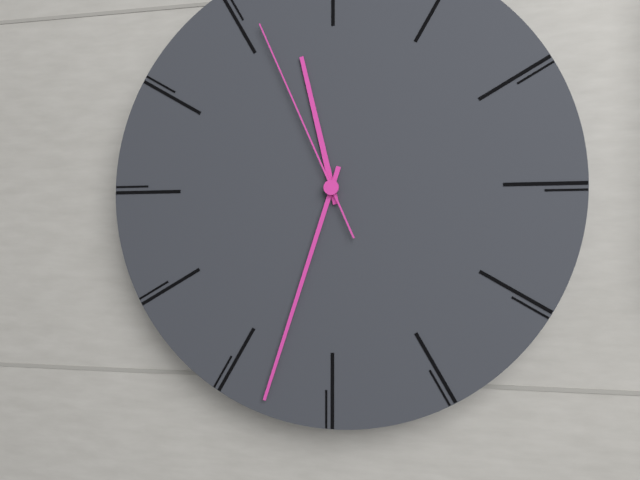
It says 11:33:56
